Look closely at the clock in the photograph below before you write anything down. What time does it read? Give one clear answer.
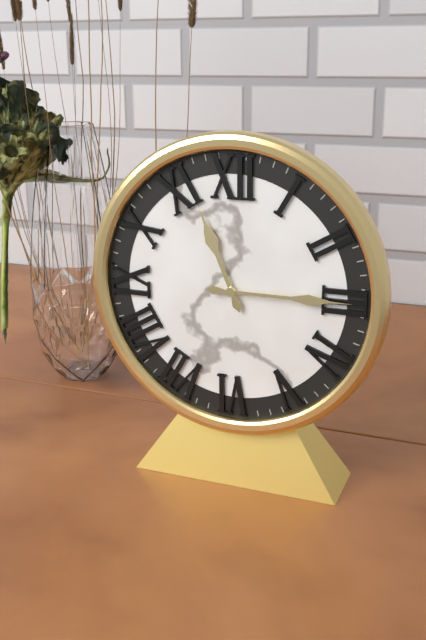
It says 11:15
